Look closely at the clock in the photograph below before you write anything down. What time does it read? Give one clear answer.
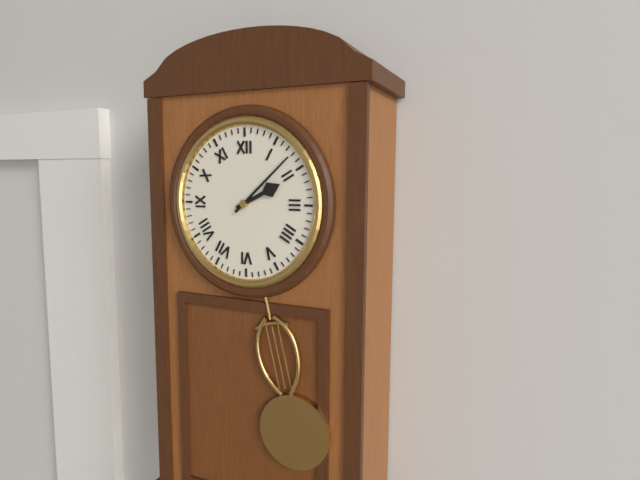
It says 2:08
